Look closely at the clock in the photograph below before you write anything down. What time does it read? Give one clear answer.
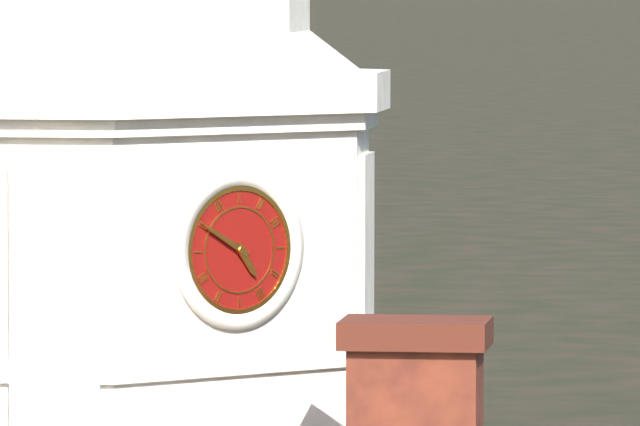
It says 4:50
